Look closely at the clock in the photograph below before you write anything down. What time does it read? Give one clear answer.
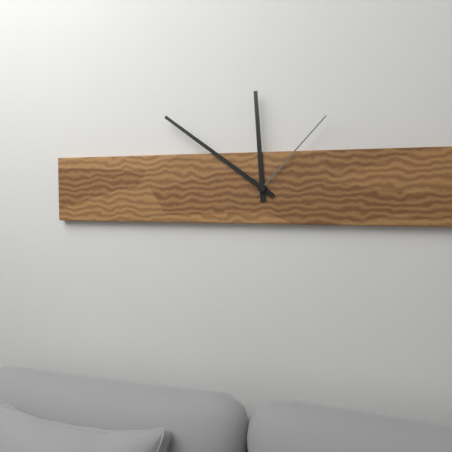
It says 11:51:07
